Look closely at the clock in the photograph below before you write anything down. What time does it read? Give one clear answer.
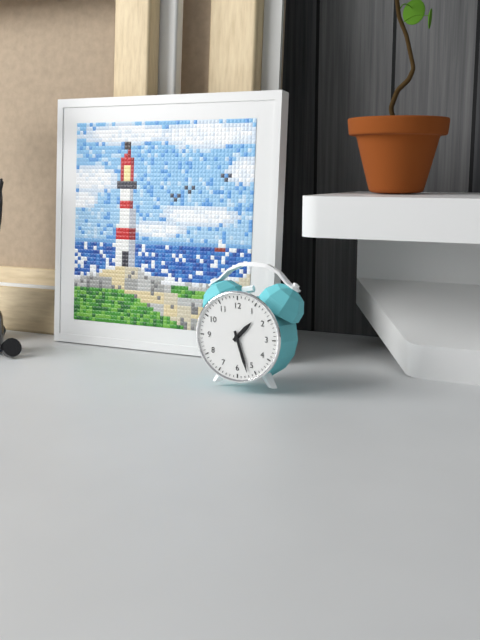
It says 1:27
